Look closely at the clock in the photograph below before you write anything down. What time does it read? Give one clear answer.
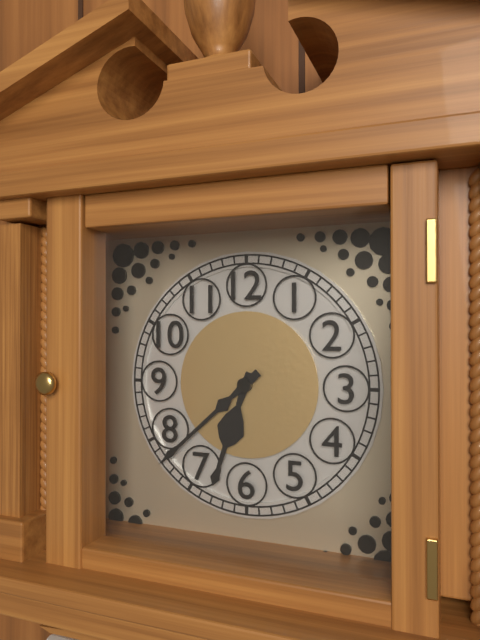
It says 6:38
